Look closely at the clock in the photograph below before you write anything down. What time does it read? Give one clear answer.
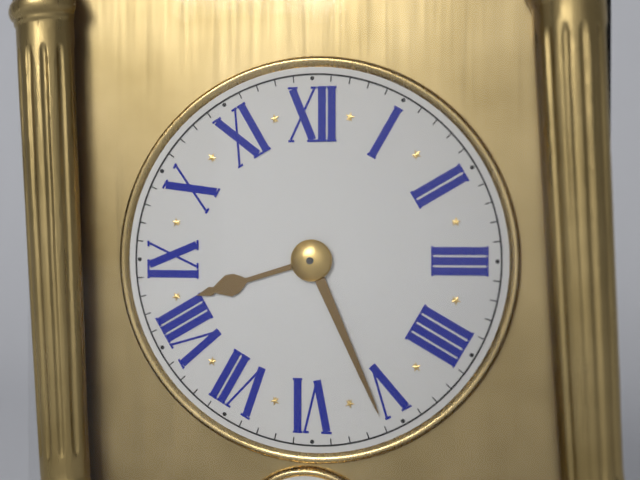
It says 8:26
